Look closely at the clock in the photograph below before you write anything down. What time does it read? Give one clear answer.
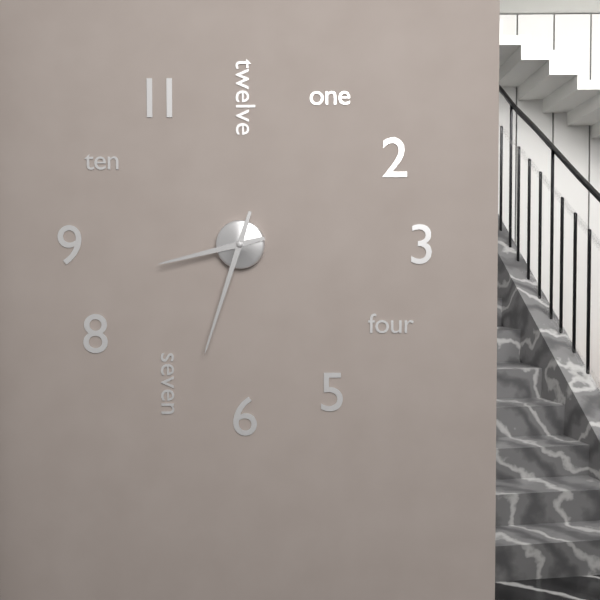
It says 8:33
